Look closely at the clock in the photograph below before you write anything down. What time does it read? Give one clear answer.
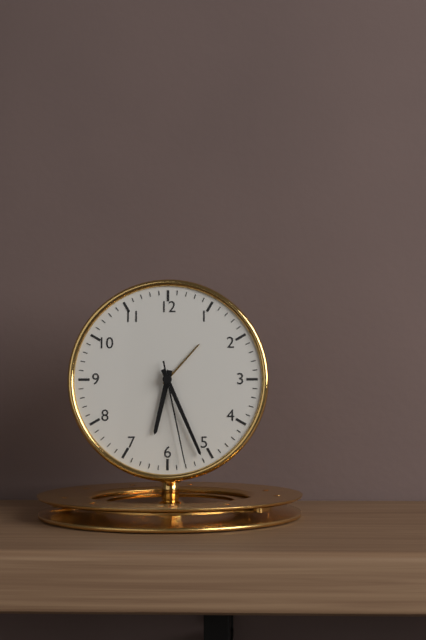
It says 6:26:28
